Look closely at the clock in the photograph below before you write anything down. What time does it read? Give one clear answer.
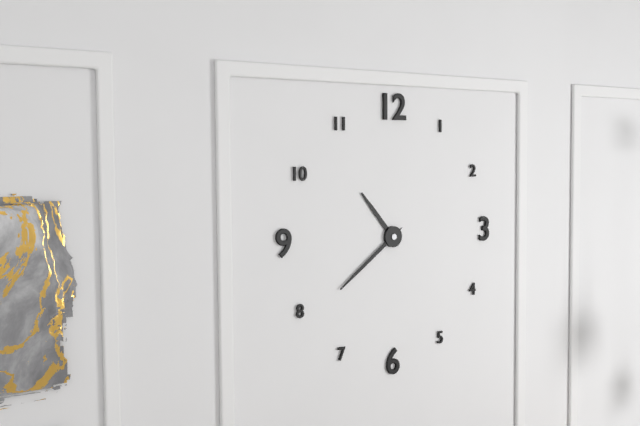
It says 10:39
